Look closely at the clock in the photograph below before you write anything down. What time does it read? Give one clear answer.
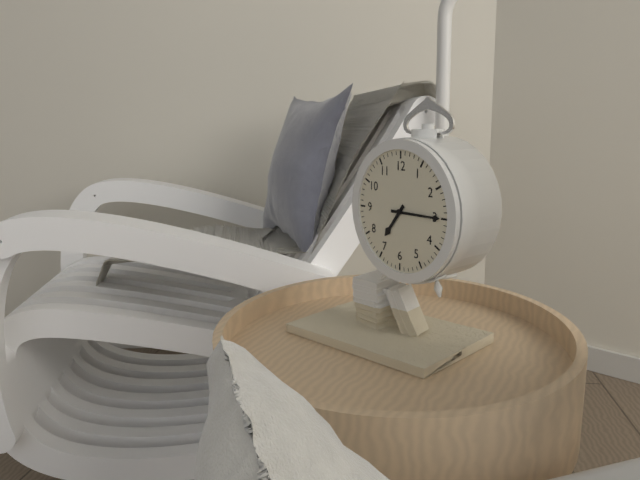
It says 7:15
